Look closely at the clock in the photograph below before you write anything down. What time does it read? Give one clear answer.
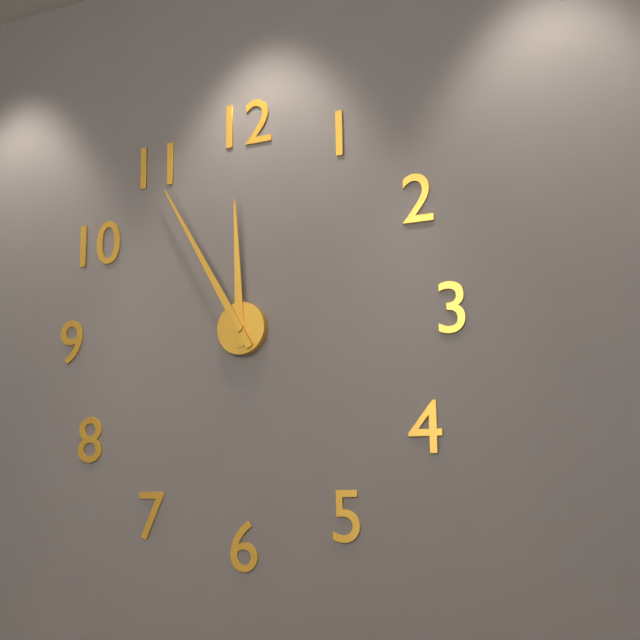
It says 11:55
